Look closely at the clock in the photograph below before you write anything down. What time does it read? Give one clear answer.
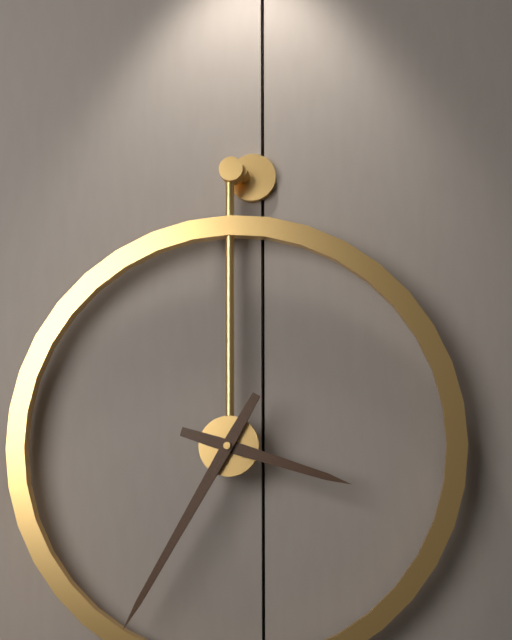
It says 3:35
